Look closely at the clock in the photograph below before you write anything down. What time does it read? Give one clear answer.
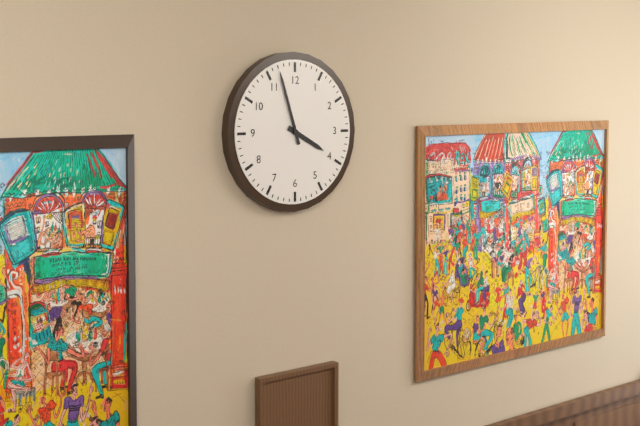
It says 3:57
